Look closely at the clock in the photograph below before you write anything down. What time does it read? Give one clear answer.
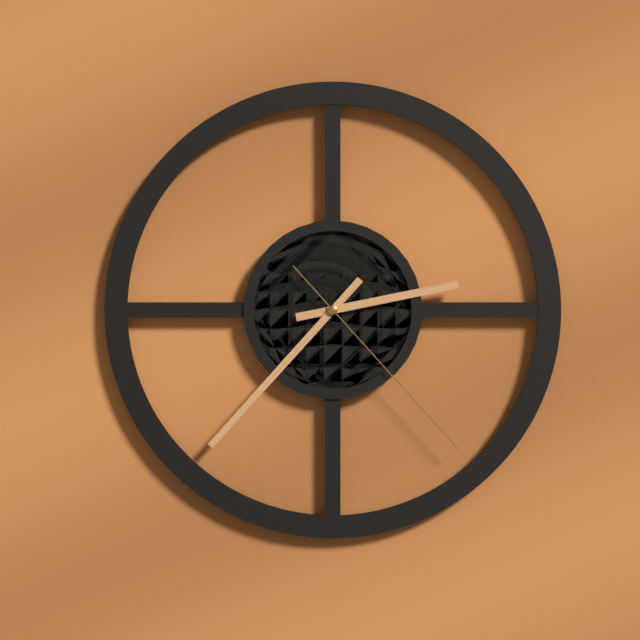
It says 2:37:23
